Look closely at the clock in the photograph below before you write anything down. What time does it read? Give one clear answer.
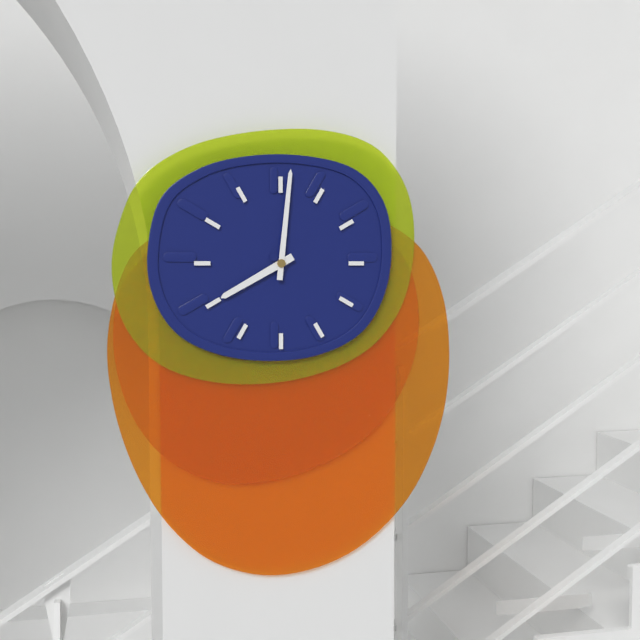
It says 8:01
